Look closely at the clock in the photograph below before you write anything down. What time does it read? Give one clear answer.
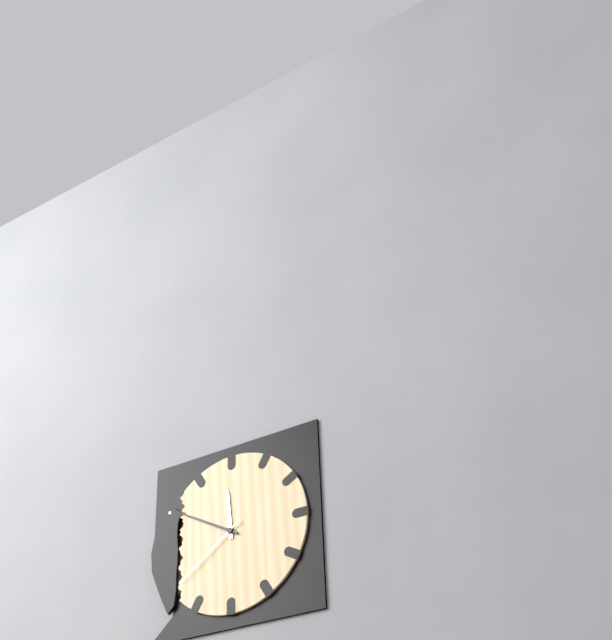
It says 11:50:39
